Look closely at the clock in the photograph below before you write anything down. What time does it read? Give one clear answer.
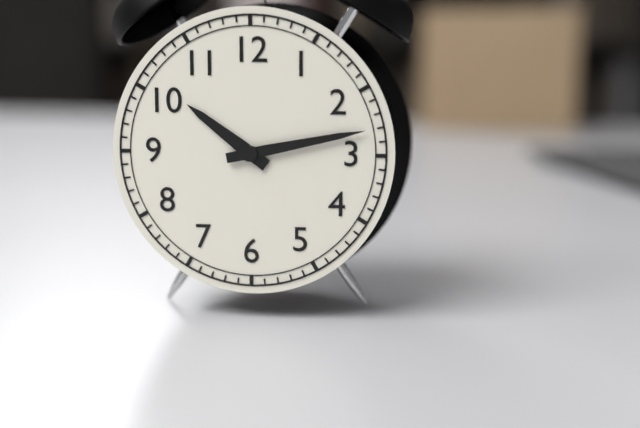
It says 10:13
